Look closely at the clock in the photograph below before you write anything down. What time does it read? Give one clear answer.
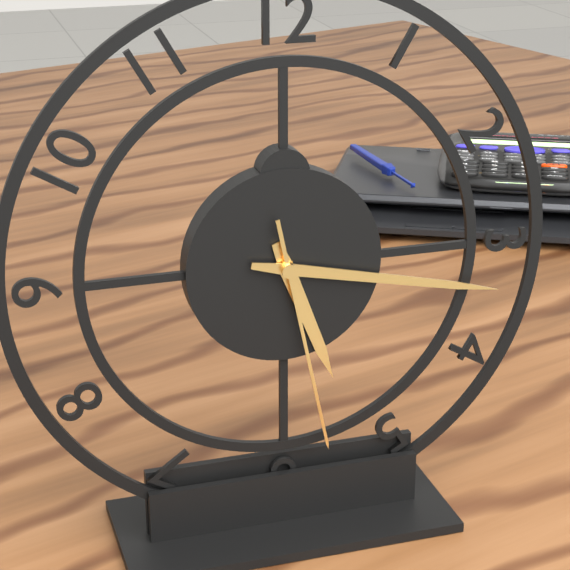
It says 5:17:28
